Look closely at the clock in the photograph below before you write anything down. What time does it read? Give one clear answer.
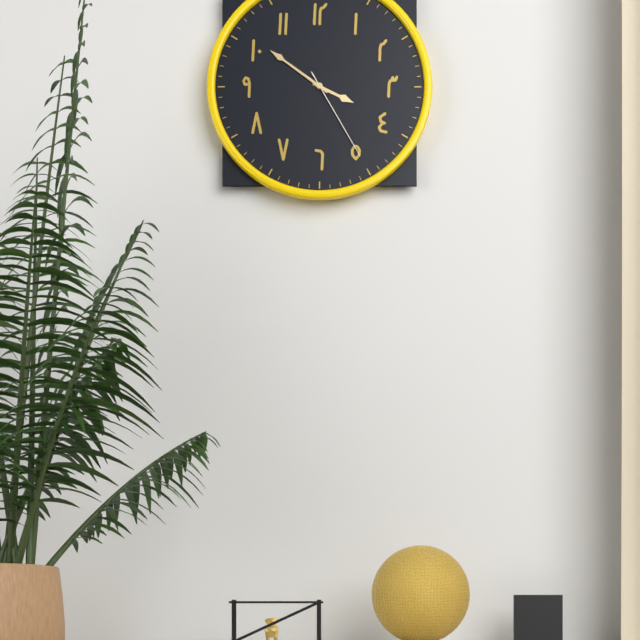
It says 3:51:25
